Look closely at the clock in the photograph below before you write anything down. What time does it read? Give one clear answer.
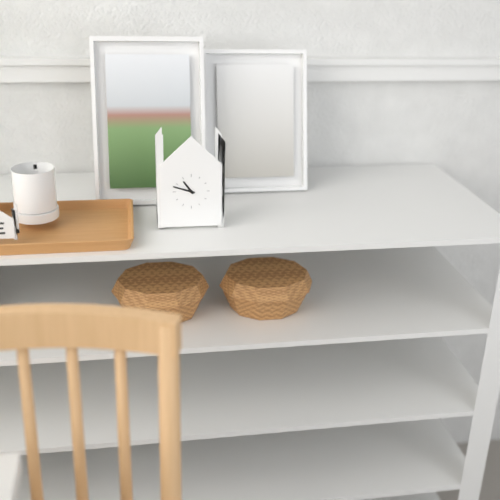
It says 10:48
